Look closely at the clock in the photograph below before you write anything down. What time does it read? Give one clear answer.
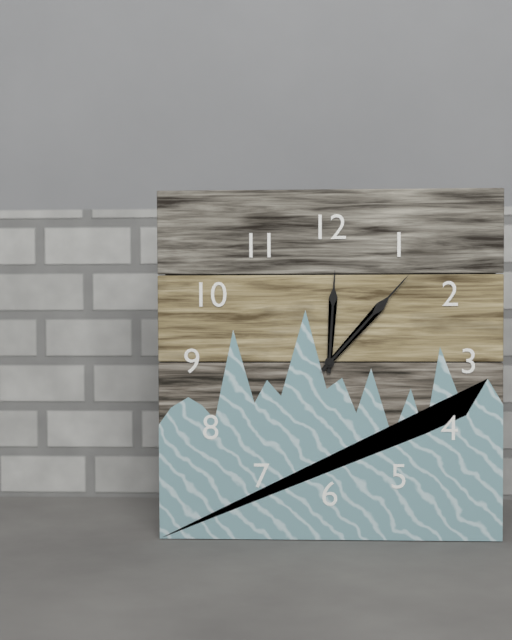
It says 12:07
